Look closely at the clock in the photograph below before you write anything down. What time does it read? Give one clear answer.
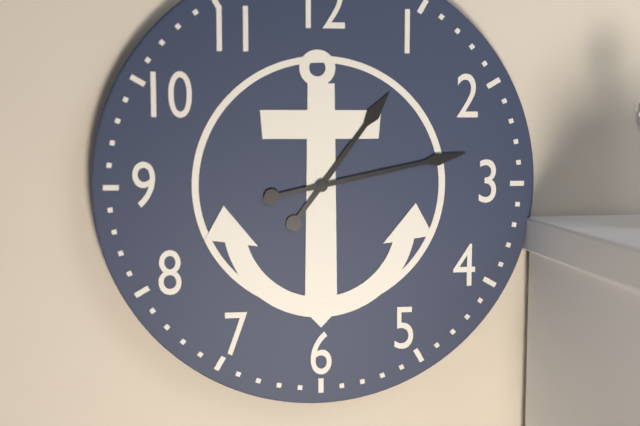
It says 1:13
